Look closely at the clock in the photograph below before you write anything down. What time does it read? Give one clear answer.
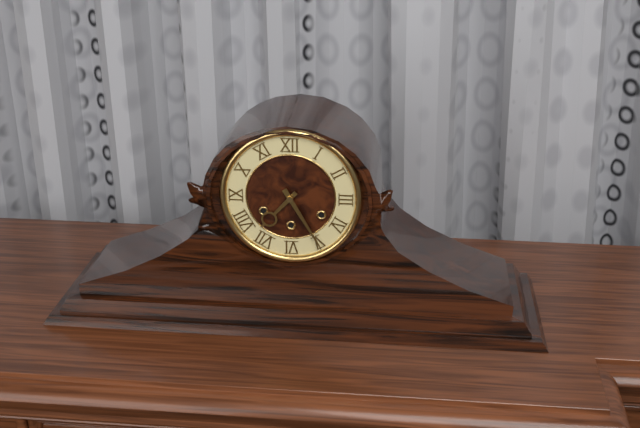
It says 7:25
